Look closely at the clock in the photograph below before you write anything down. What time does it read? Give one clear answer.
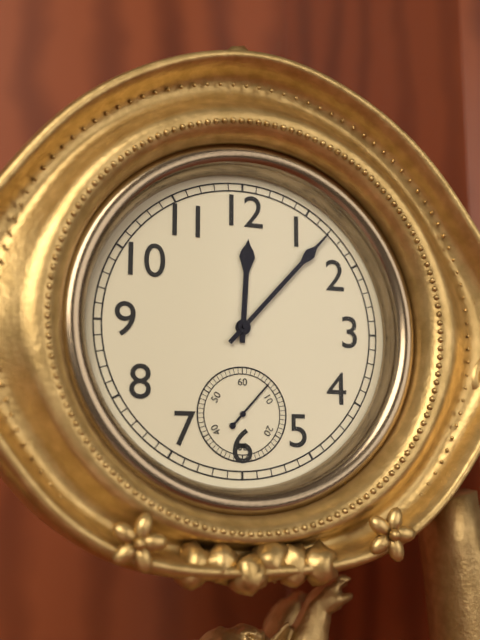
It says 12:07:07
